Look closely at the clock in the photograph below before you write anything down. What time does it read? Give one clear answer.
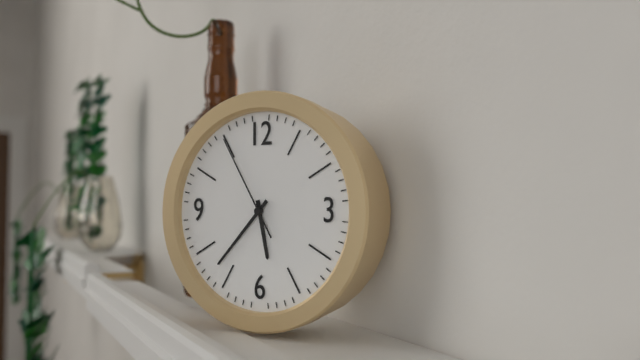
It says 5:37:55
